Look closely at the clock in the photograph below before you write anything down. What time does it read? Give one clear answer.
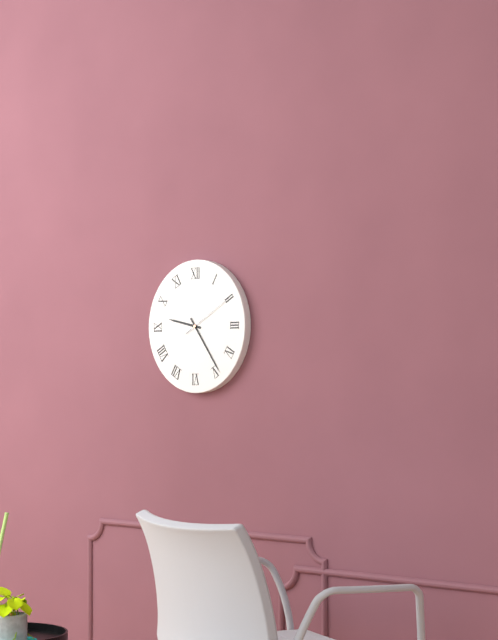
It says 9:24:10
